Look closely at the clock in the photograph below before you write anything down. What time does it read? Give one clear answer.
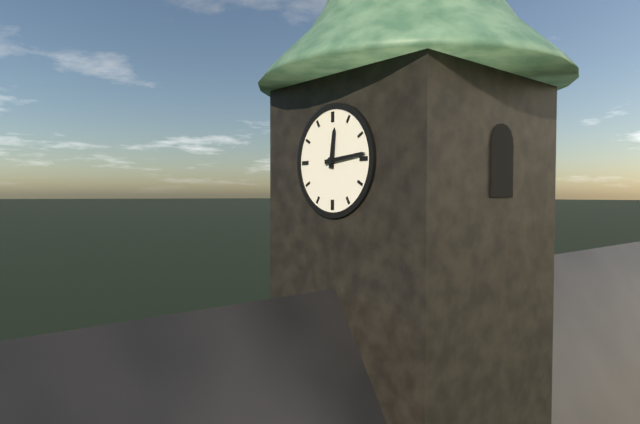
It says 12:14
